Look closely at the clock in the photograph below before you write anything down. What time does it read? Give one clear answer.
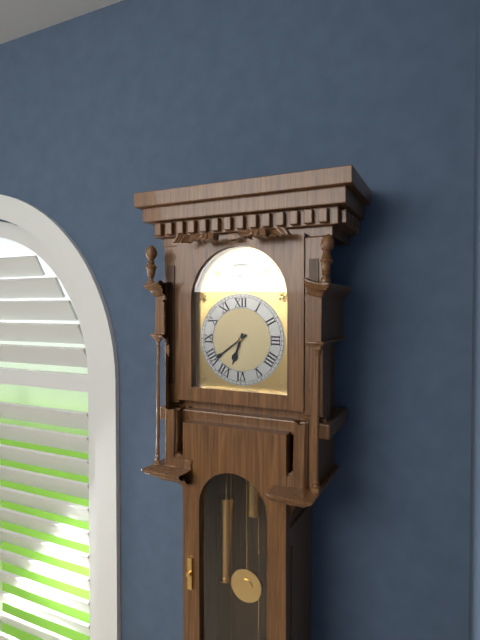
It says 6:39
